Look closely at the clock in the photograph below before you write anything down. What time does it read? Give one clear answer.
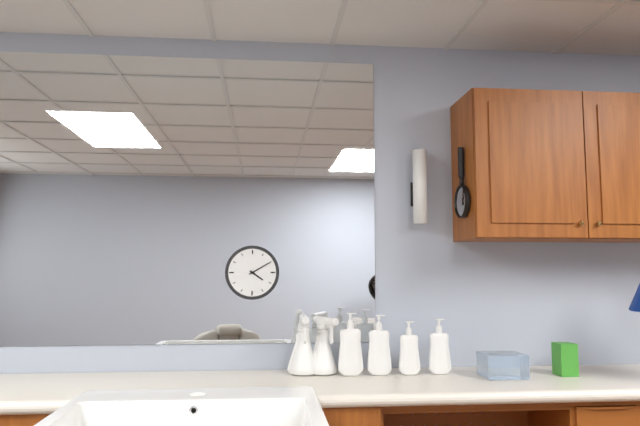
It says 4:10
